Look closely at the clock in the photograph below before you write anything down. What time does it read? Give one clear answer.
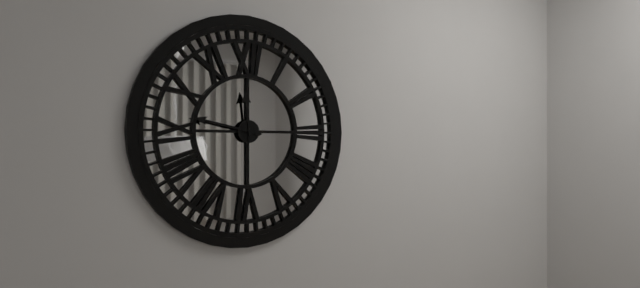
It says 11:47
